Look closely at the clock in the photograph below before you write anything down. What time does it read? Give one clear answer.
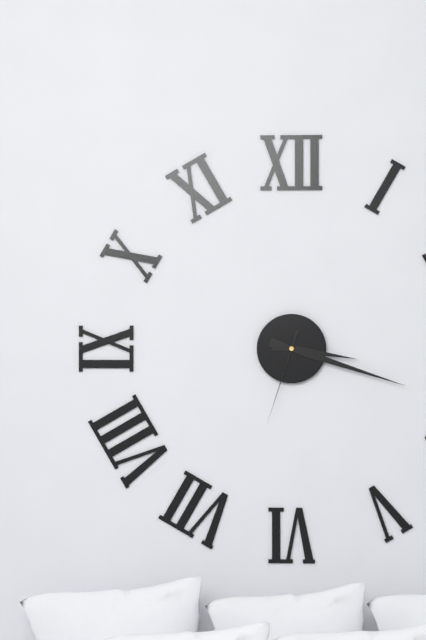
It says 3:18:33
